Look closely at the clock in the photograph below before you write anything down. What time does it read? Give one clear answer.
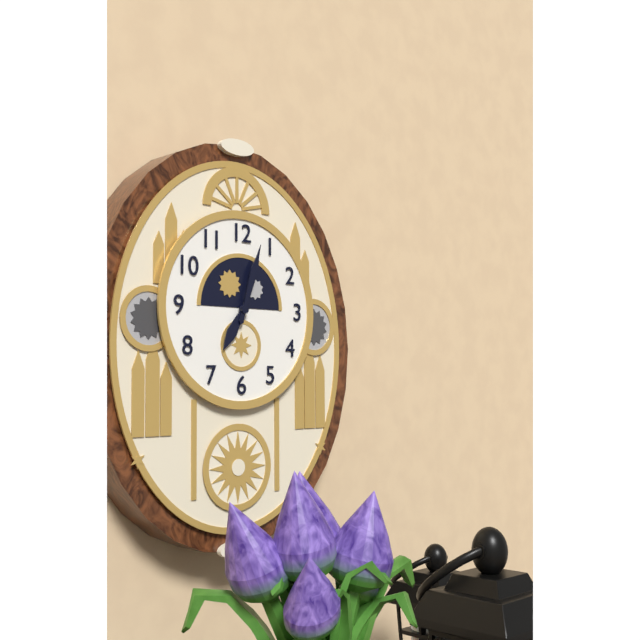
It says 7:03
